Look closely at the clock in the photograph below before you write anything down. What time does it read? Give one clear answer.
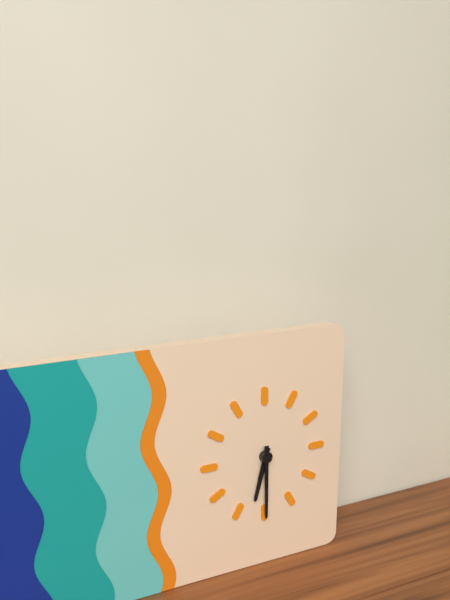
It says 6:30
